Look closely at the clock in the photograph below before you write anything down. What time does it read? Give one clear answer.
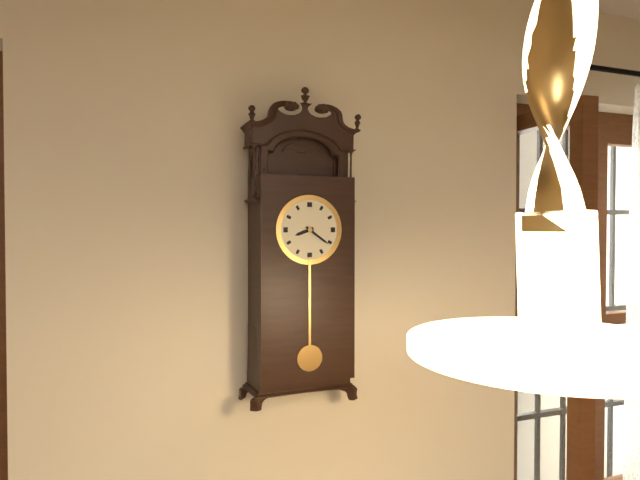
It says 8:21
